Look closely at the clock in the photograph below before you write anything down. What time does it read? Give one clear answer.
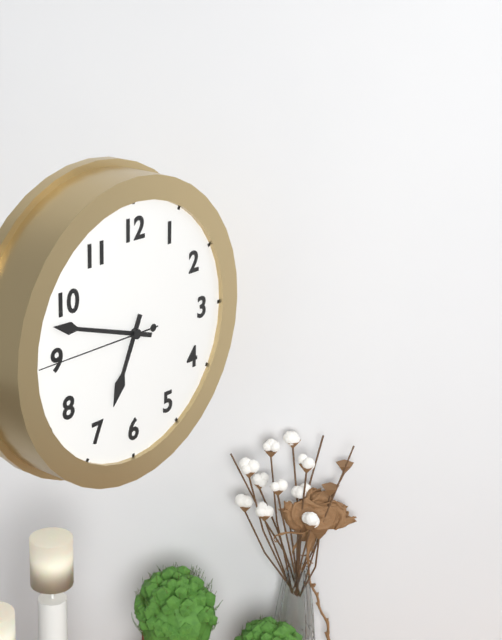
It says 6:48:45
